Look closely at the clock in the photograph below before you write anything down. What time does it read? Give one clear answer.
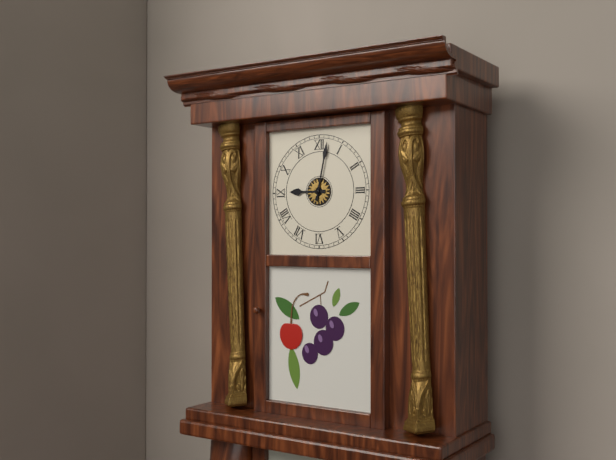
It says 9:02
